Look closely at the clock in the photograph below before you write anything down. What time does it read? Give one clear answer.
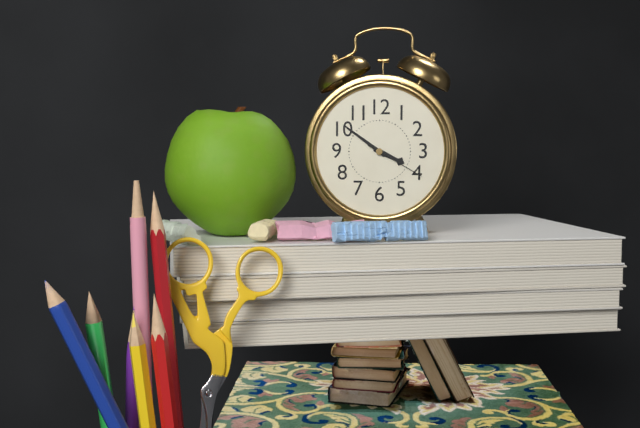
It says 3:51:20
